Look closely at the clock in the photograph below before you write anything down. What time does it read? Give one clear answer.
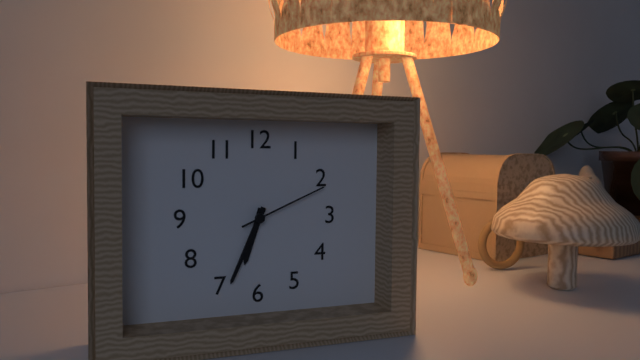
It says 6:34:11
